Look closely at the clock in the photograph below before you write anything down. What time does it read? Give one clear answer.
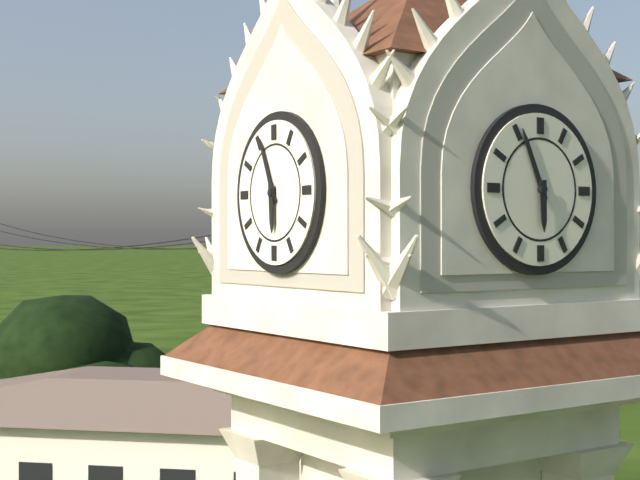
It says 5:56
